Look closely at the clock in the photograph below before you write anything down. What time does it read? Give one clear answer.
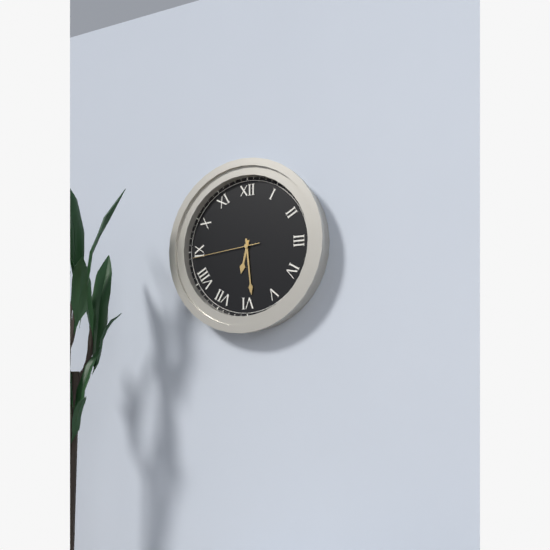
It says 6:29:44
